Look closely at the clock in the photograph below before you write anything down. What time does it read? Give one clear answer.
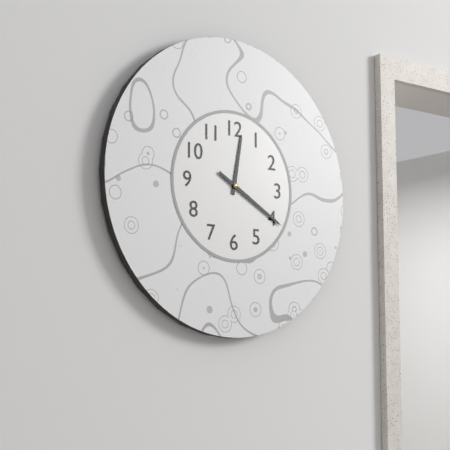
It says 12:20
